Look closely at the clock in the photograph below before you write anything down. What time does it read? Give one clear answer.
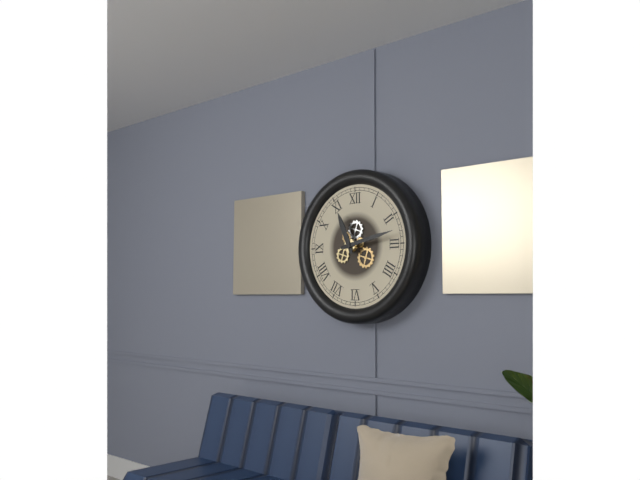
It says 11:13
